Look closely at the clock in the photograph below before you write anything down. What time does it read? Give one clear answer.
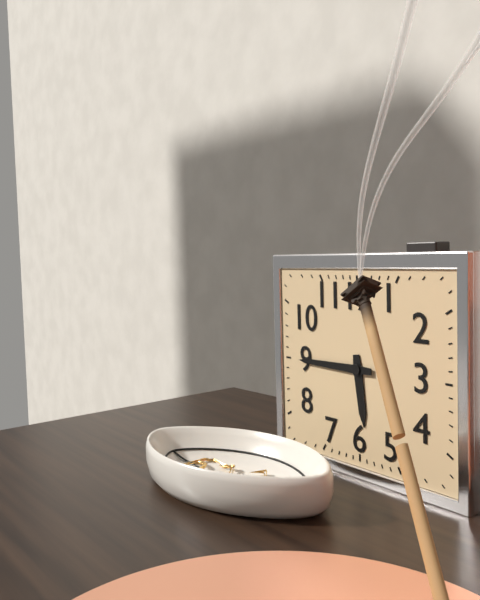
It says 5:45
